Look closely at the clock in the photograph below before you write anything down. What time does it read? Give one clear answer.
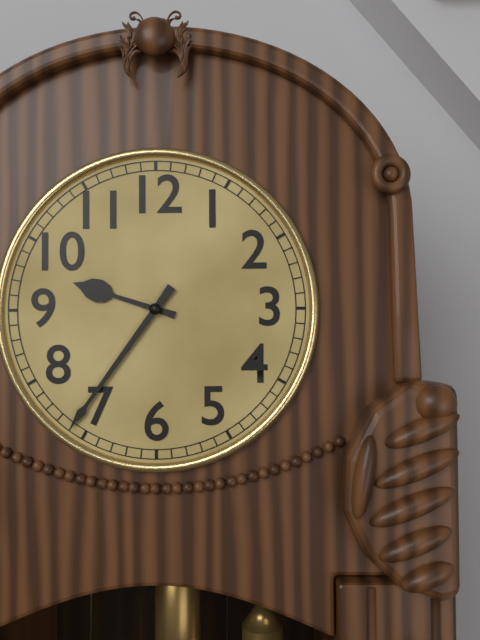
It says 9:36
